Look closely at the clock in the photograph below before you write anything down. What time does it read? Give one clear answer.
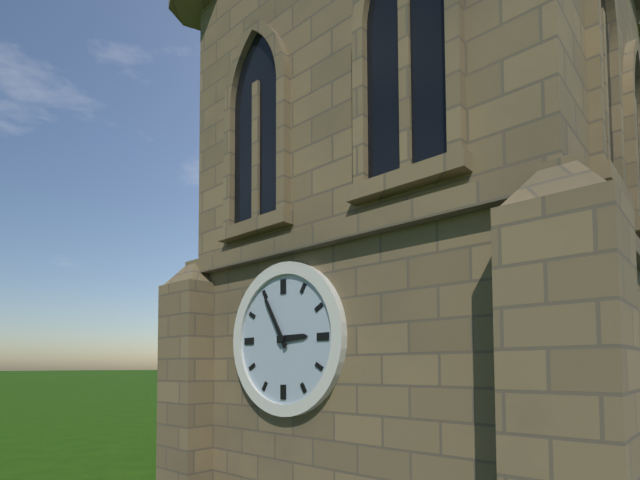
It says 2:55
